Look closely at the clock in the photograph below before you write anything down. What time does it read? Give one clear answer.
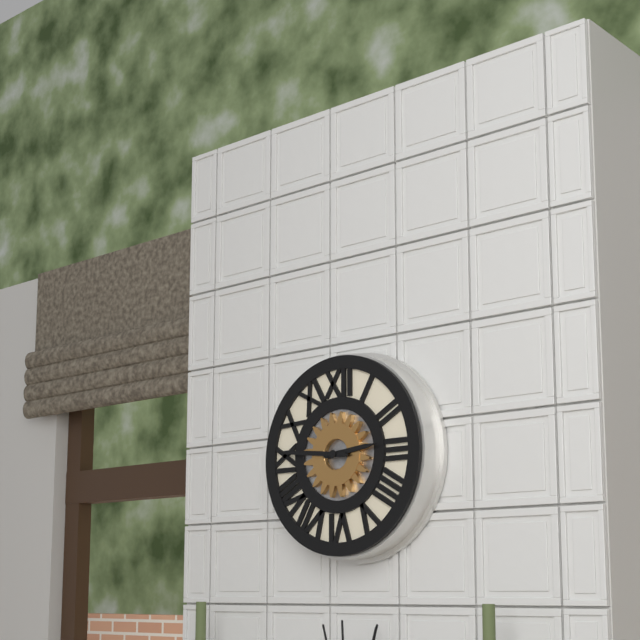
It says 2:46
